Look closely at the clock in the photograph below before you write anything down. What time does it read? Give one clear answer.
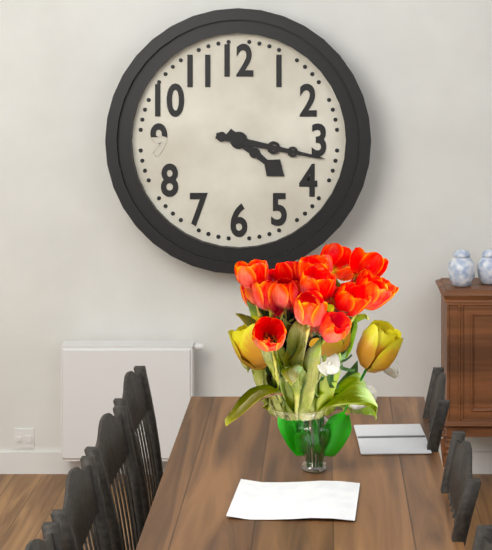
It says 4:17
